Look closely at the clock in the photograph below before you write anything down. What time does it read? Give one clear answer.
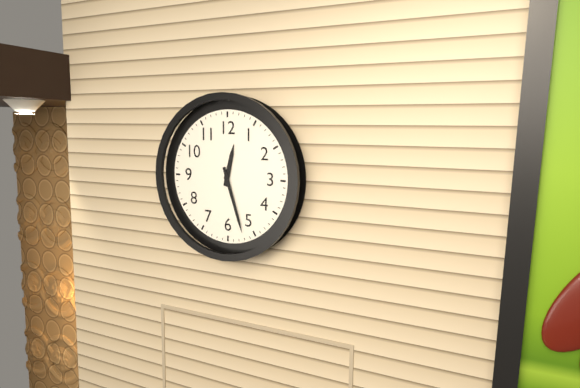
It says 12:27
